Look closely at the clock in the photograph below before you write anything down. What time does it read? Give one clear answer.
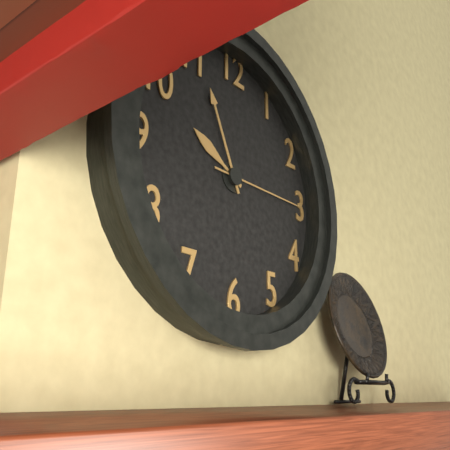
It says 9:56:15
